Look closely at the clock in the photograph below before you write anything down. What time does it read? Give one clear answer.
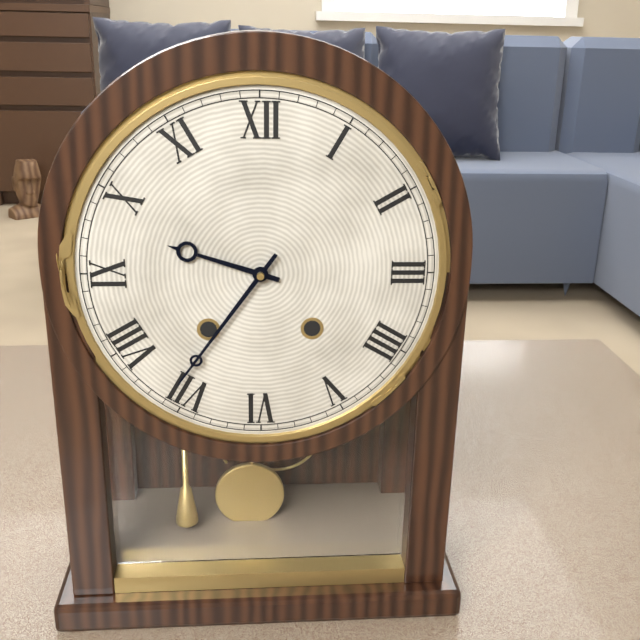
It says 9:36
